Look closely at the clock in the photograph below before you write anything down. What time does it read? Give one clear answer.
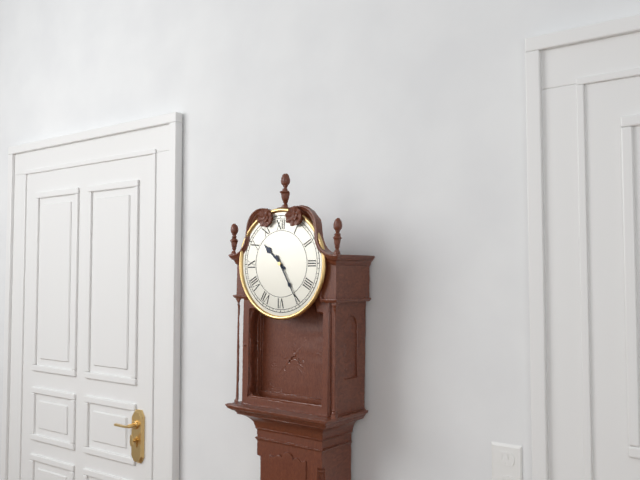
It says 10:25
